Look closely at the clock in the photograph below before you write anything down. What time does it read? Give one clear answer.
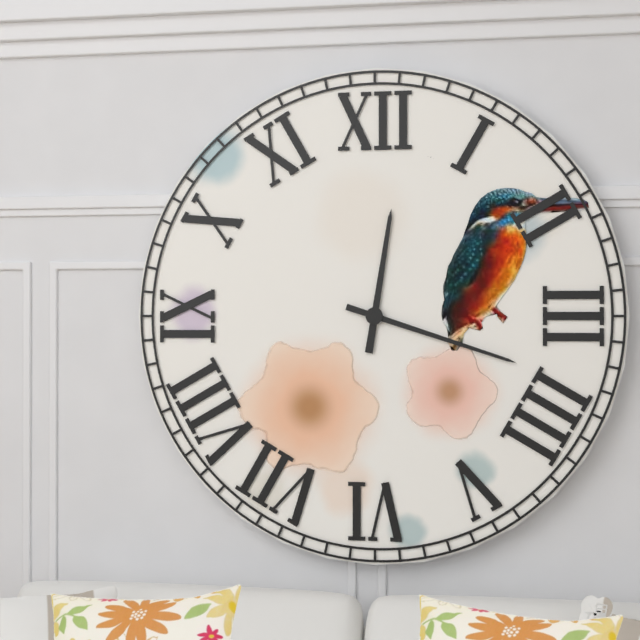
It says 12:18
